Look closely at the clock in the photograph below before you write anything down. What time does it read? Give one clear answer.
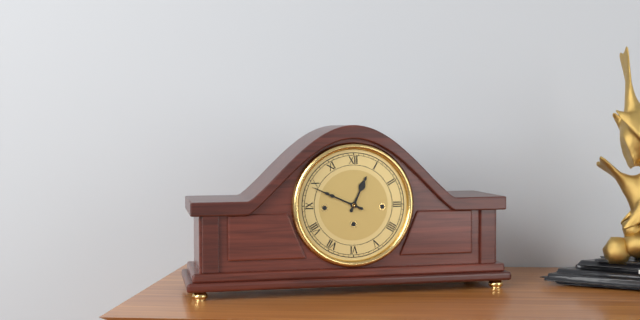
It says 12:49
